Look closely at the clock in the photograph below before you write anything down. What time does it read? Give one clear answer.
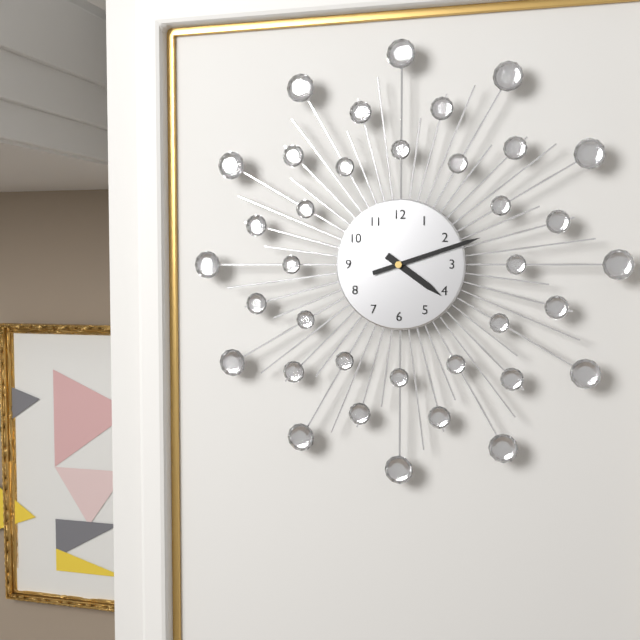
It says 4:12
